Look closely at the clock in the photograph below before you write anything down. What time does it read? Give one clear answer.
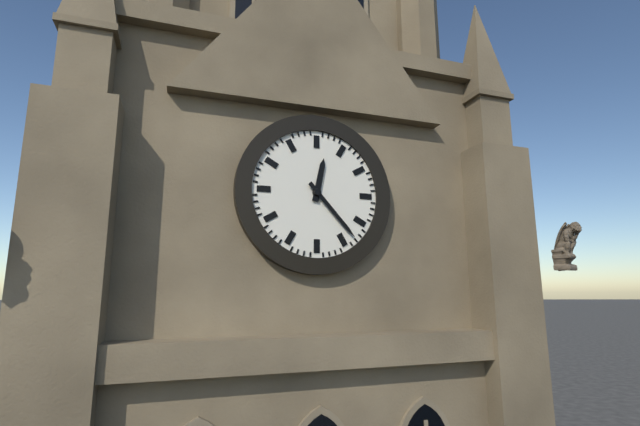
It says 12:23
